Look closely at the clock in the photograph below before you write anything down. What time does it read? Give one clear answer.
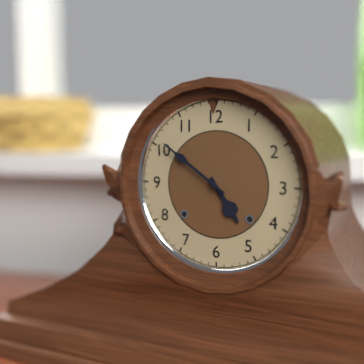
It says 4:51
